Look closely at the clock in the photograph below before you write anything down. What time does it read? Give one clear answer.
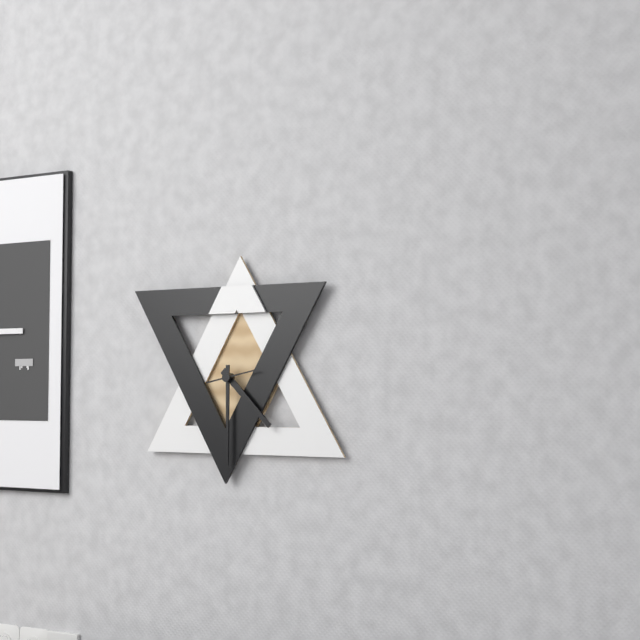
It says 4:30
